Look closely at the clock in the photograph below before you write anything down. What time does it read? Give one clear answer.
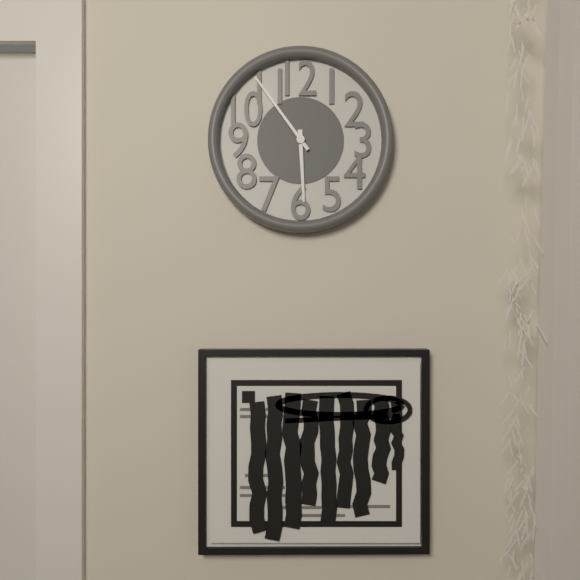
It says 5:54
